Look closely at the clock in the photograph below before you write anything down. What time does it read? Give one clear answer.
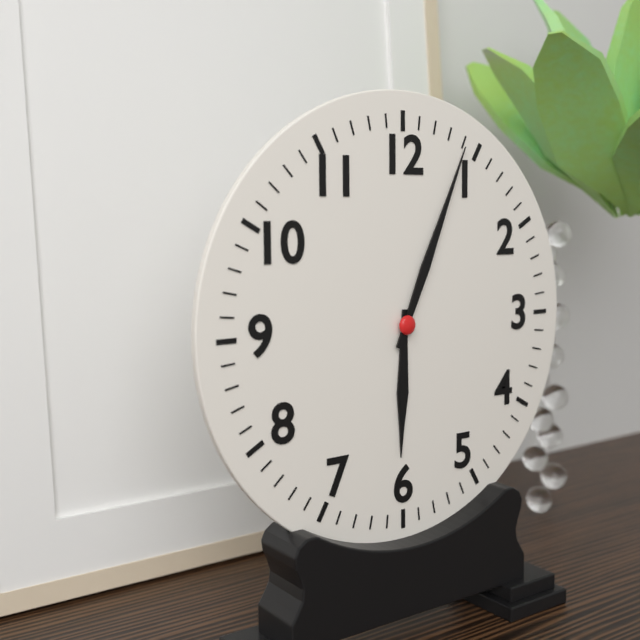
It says 6:04
